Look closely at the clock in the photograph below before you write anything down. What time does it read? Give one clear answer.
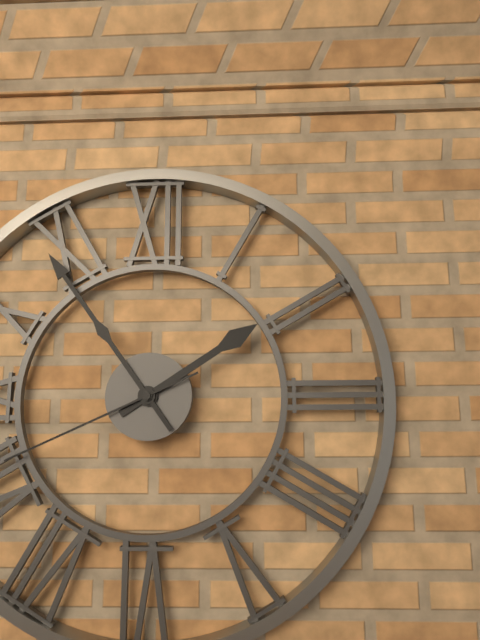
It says 1:54:41
